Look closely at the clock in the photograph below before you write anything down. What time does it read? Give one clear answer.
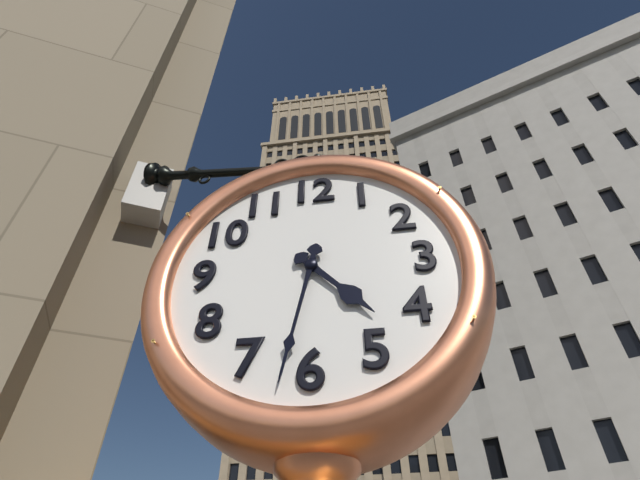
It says 4:32
